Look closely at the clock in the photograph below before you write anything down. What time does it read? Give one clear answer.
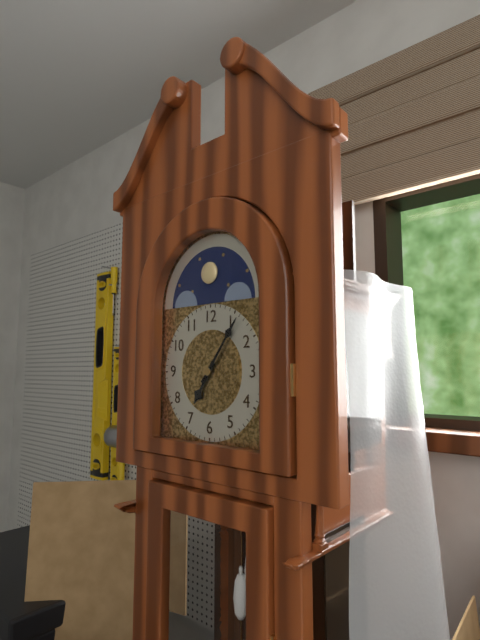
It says 7:06
